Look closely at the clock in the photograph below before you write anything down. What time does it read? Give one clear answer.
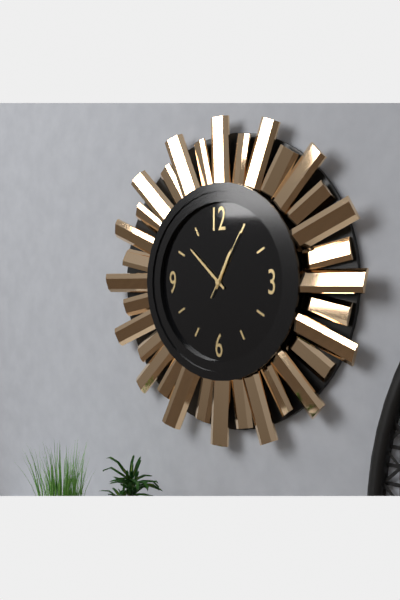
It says 12:52:05
